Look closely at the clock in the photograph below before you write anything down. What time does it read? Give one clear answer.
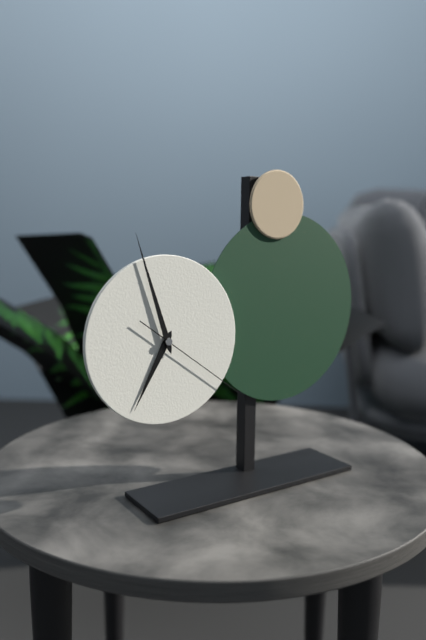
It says 6:57:21
